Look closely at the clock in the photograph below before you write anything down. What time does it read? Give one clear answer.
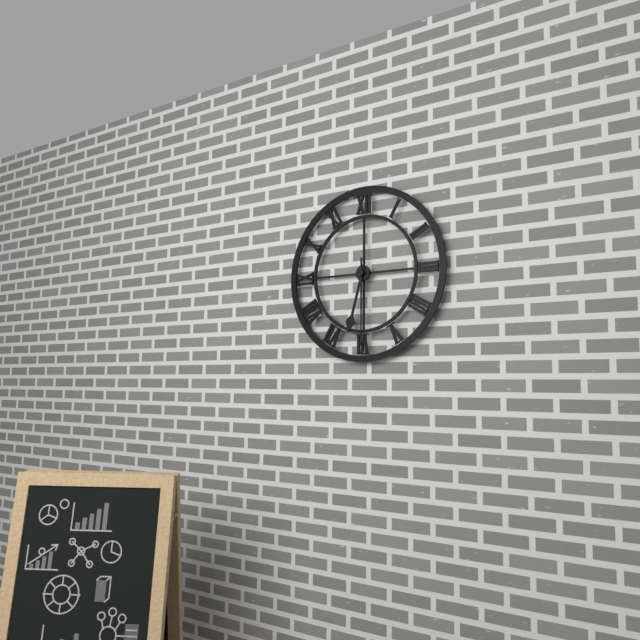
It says 6:30
